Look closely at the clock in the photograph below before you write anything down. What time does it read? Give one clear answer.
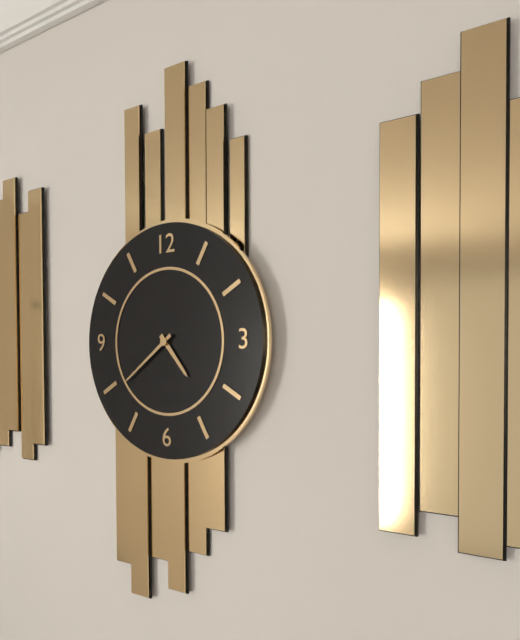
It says 4:39
